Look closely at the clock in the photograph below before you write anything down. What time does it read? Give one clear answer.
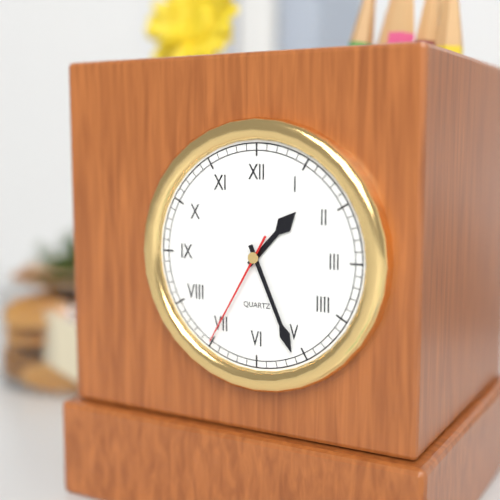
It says 1:26:35
